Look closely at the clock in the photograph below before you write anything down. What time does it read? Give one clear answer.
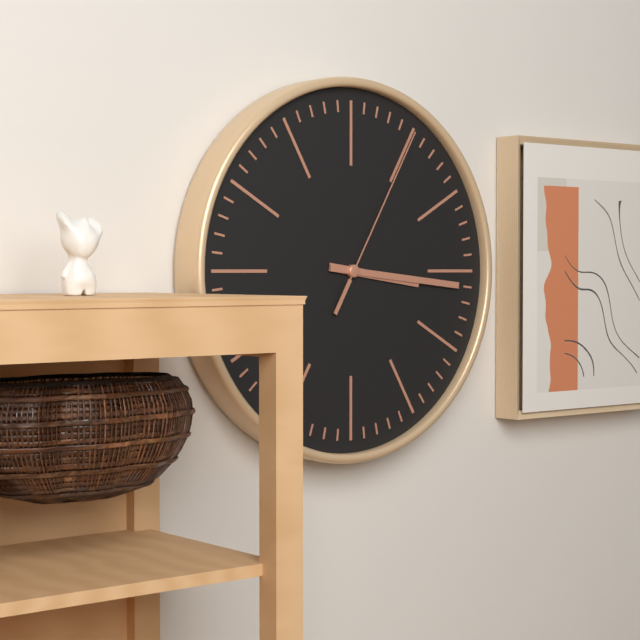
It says 3:16:05
